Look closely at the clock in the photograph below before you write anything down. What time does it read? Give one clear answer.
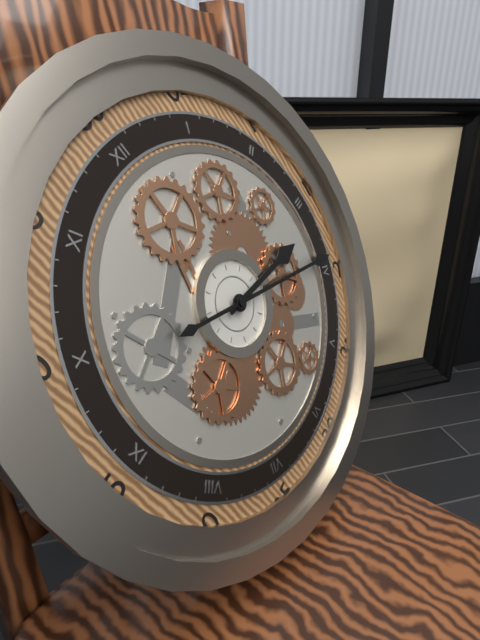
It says 3:19
